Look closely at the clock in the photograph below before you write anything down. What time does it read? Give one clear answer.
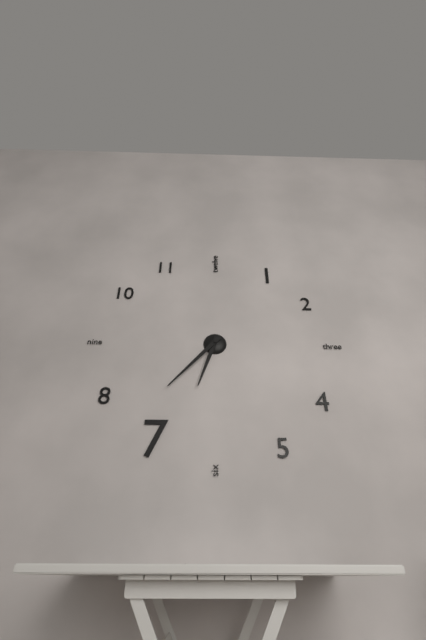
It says 6:37
